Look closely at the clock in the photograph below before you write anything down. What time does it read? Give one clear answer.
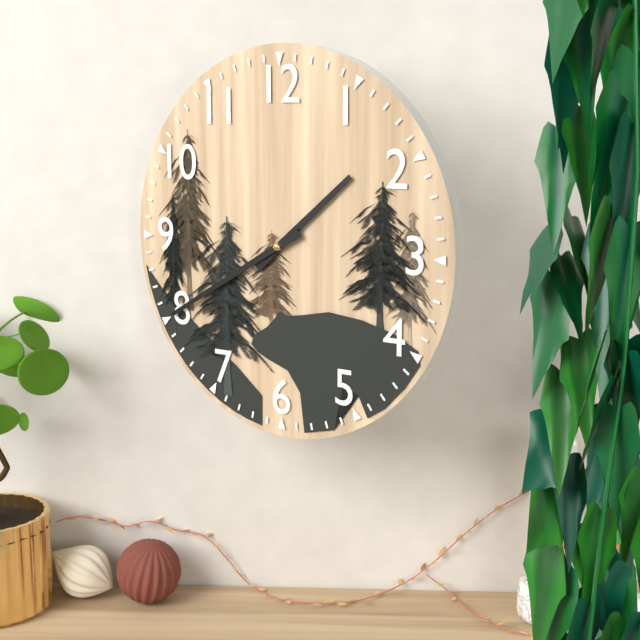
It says 1:40
